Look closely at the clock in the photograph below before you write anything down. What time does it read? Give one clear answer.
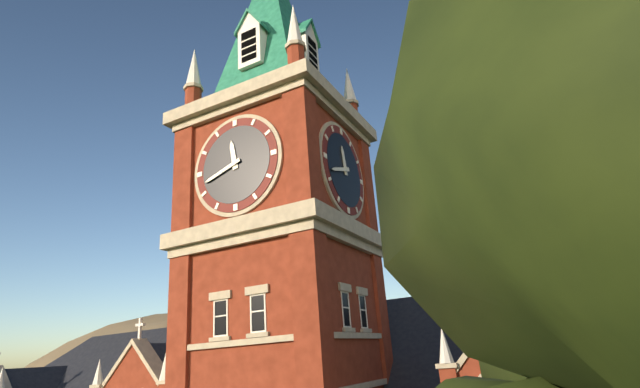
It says 11:42
